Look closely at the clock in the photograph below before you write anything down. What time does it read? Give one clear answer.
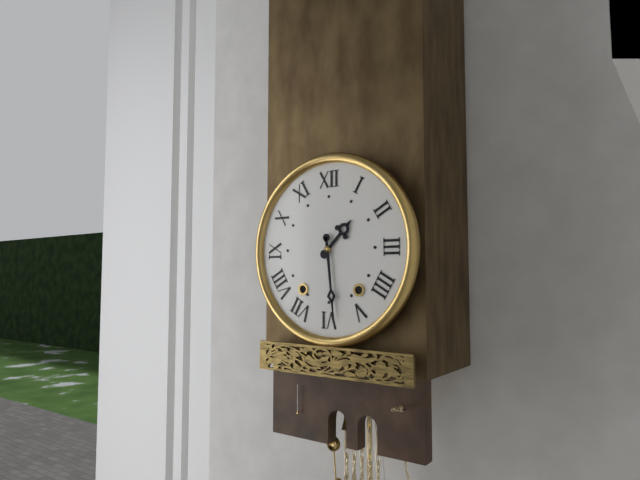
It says 1:29
